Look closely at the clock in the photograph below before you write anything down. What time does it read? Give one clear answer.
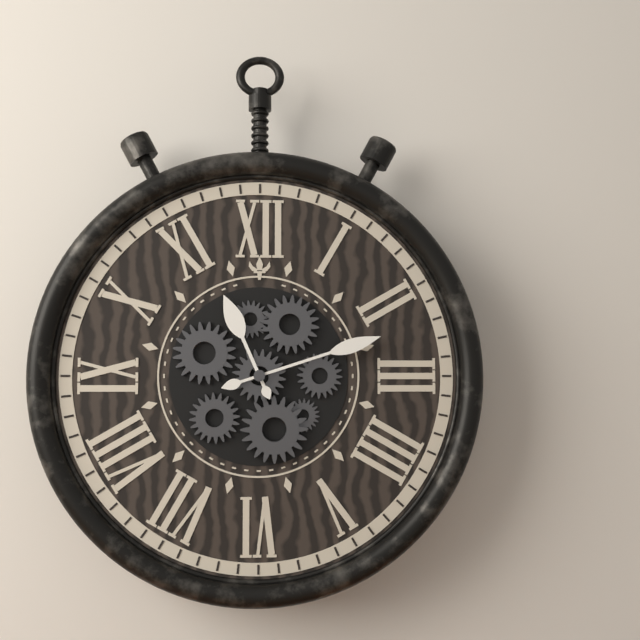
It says 11:12
